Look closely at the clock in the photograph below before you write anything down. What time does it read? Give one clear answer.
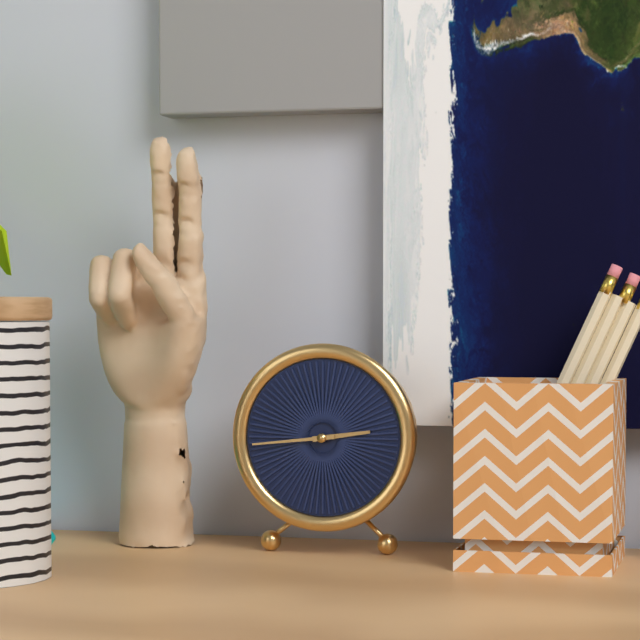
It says 2:44
